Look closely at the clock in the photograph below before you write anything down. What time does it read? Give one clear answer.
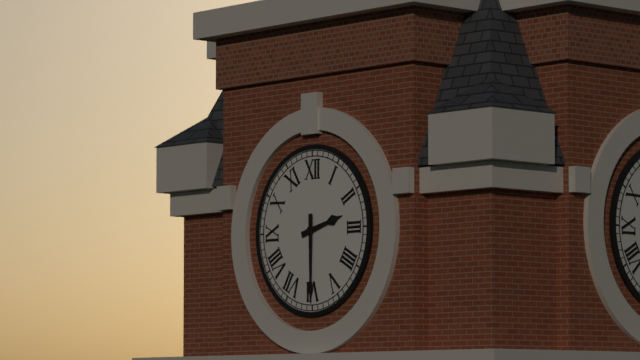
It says 2:30
